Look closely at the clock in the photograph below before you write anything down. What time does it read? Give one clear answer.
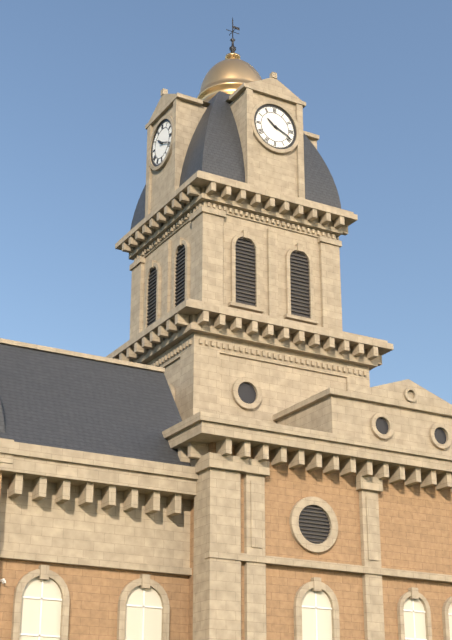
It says 10:19
